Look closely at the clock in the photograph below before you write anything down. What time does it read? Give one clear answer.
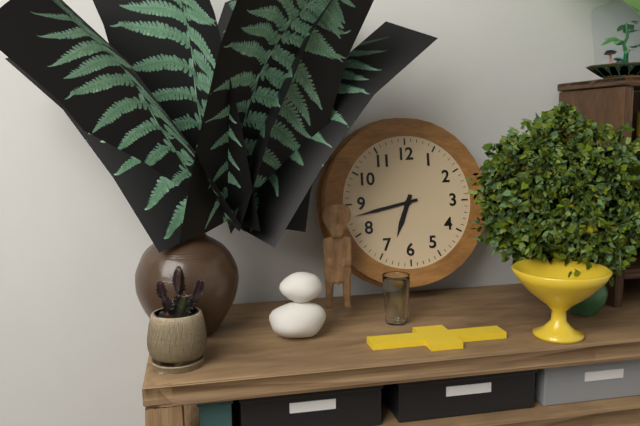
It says 6:43
